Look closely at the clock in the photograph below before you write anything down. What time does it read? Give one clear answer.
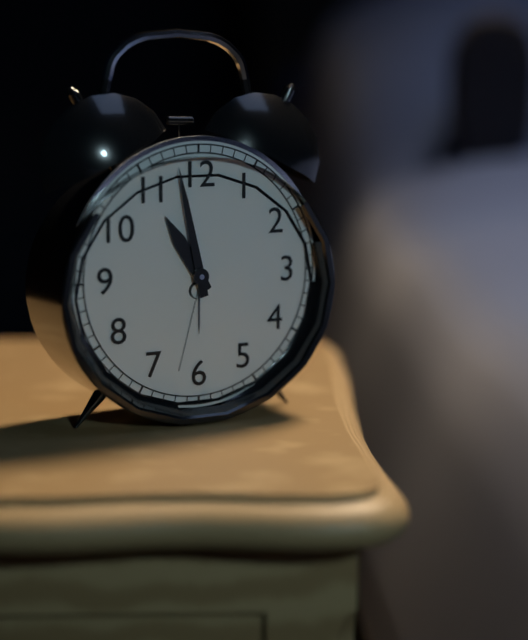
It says 10:58
